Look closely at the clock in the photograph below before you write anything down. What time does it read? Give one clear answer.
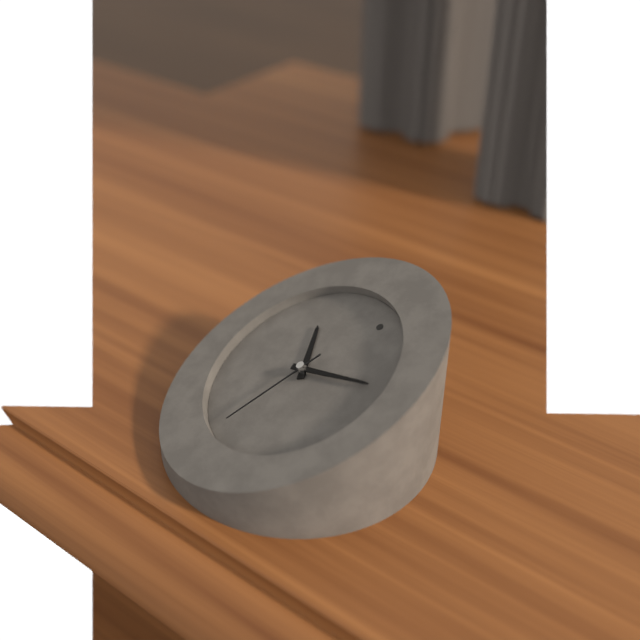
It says 10:09:29
